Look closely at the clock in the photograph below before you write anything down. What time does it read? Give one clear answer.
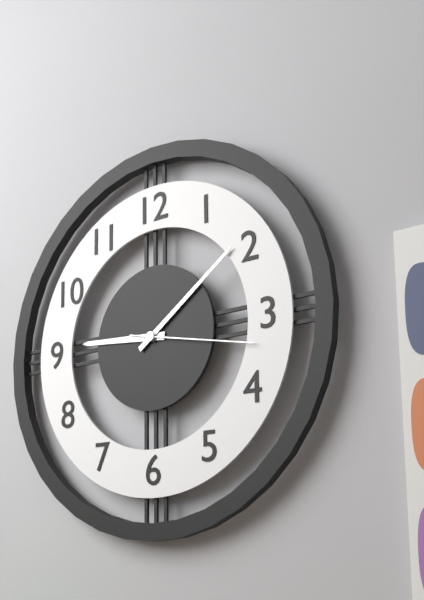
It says 9:09:17
